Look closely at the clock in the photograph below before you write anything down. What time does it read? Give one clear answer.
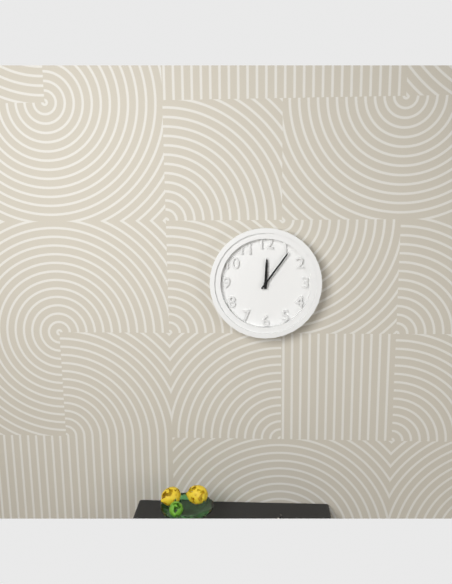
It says 12:06
